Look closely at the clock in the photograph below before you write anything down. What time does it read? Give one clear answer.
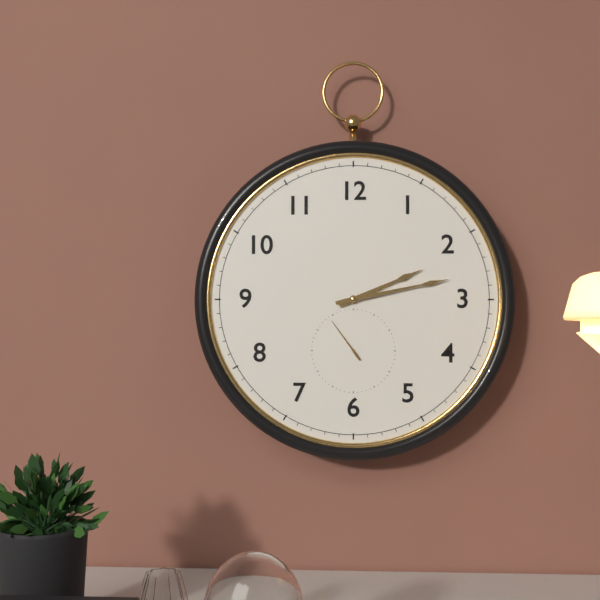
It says 2:13
